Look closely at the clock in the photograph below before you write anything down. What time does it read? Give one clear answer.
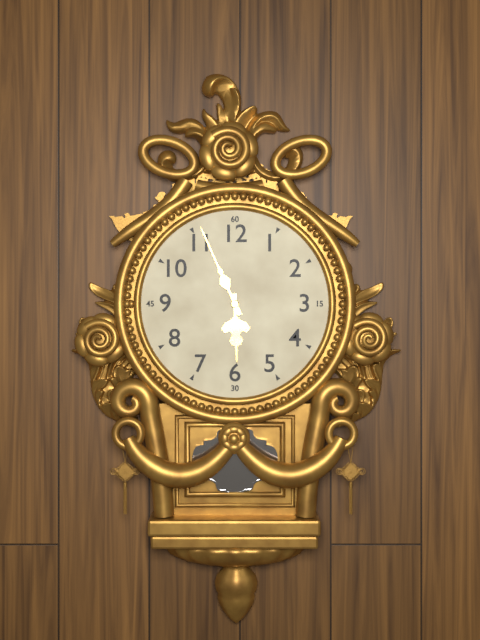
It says 5:56
